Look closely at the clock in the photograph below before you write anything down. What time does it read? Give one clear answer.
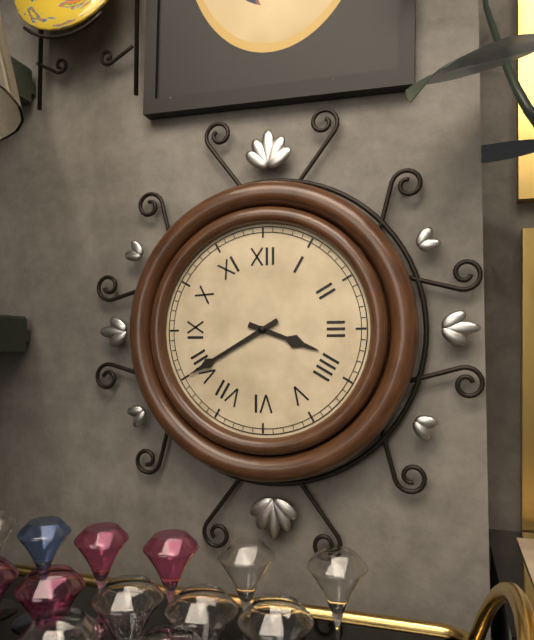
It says 3:40
